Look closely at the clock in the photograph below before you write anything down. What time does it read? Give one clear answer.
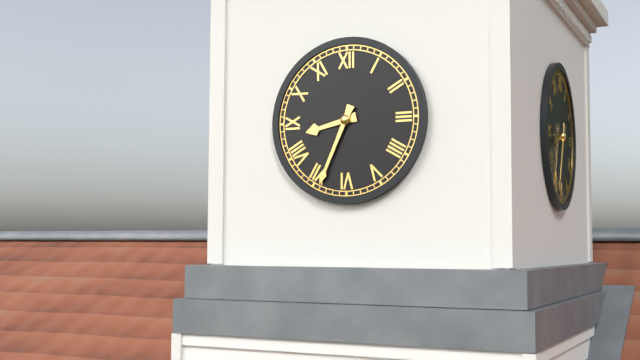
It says 8:34
